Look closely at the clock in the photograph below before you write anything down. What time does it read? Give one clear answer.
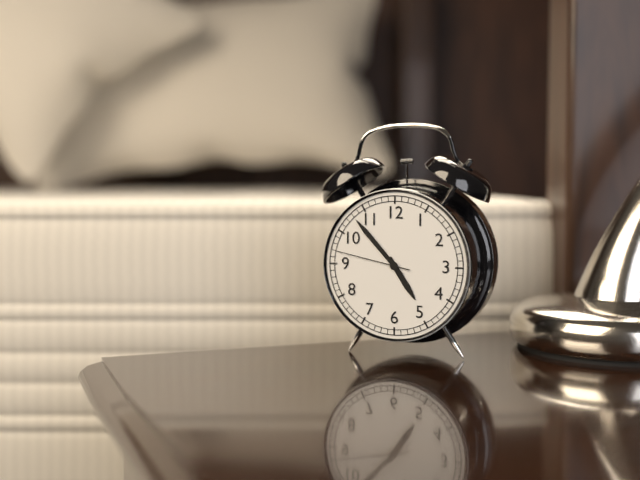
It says 4:53:47
